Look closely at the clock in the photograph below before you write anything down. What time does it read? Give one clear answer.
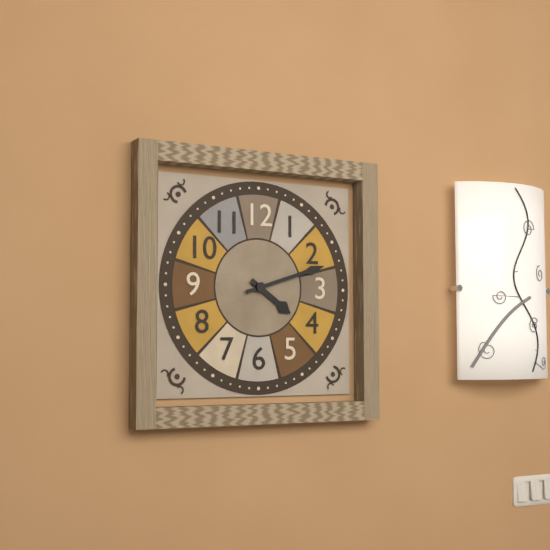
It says 4:12
